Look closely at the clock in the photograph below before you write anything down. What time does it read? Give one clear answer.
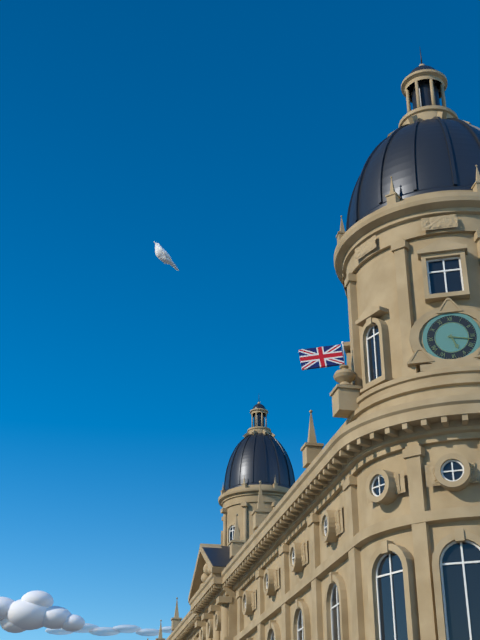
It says 5:17
